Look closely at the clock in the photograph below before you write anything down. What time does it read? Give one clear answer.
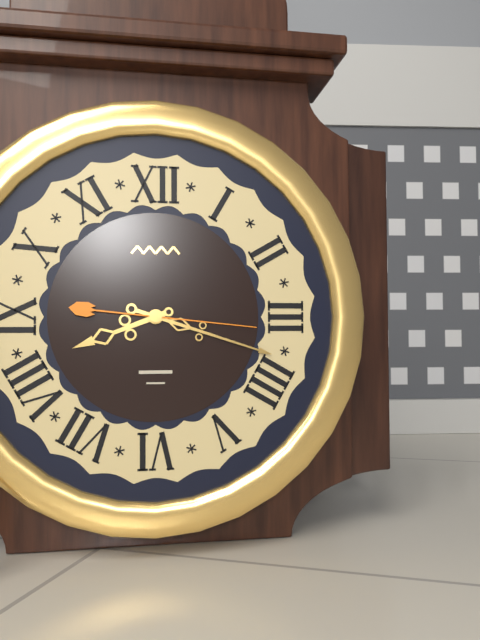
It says 8:18:16
